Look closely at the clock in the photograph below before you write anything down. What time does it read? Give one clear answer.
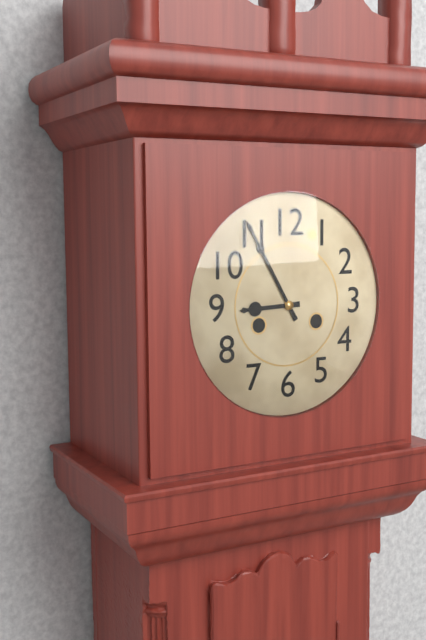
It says 8:55
